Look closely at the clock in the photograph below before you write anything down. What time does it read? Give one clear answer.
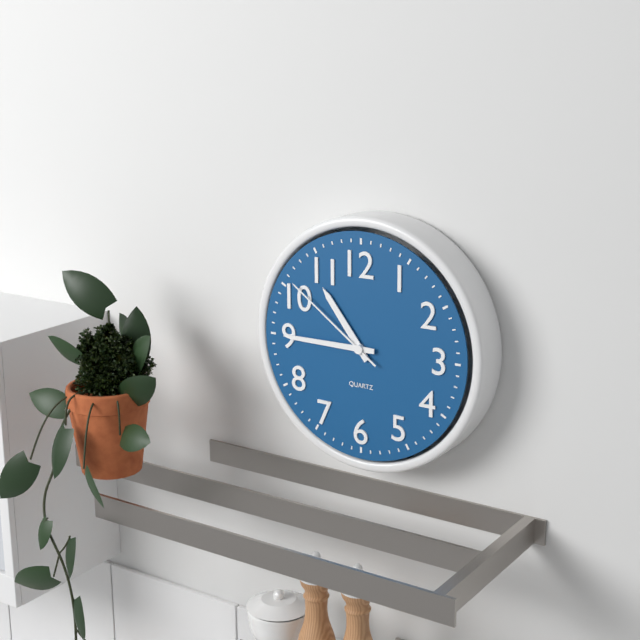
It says 10:45:51
